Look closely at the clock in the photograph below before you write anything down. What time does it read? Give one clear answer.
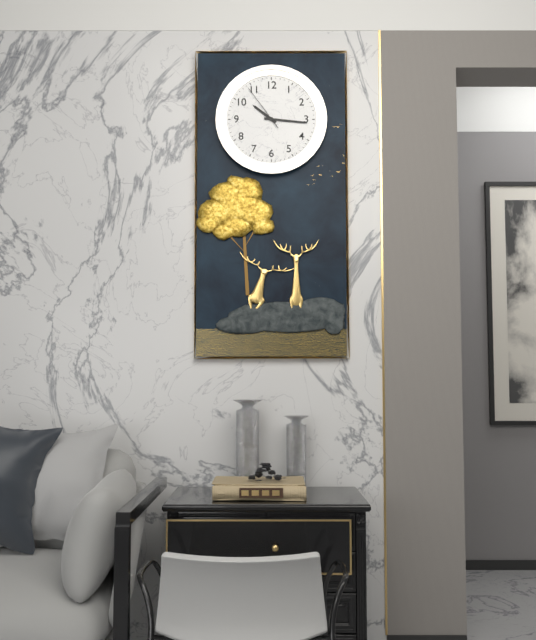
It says 10:16
